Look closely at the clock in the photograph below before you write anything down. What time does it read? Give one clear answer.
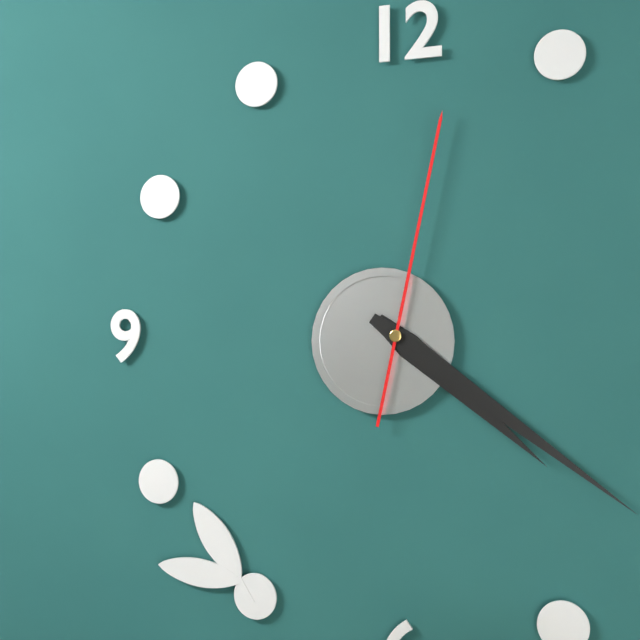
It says 4:21:02
